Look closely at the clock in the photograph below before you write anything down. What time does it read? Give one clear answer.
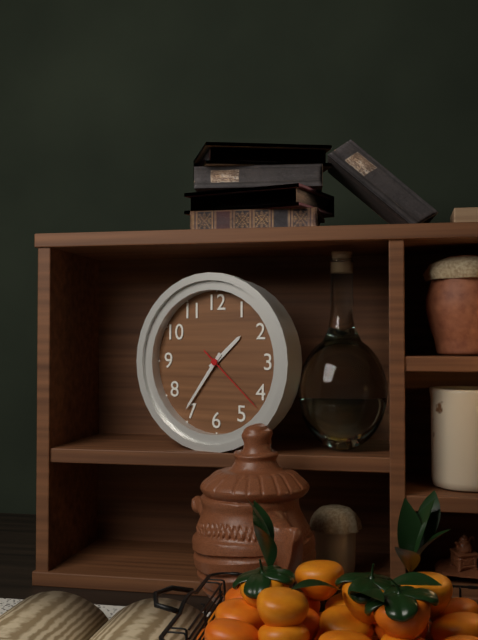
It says 1:36:22
